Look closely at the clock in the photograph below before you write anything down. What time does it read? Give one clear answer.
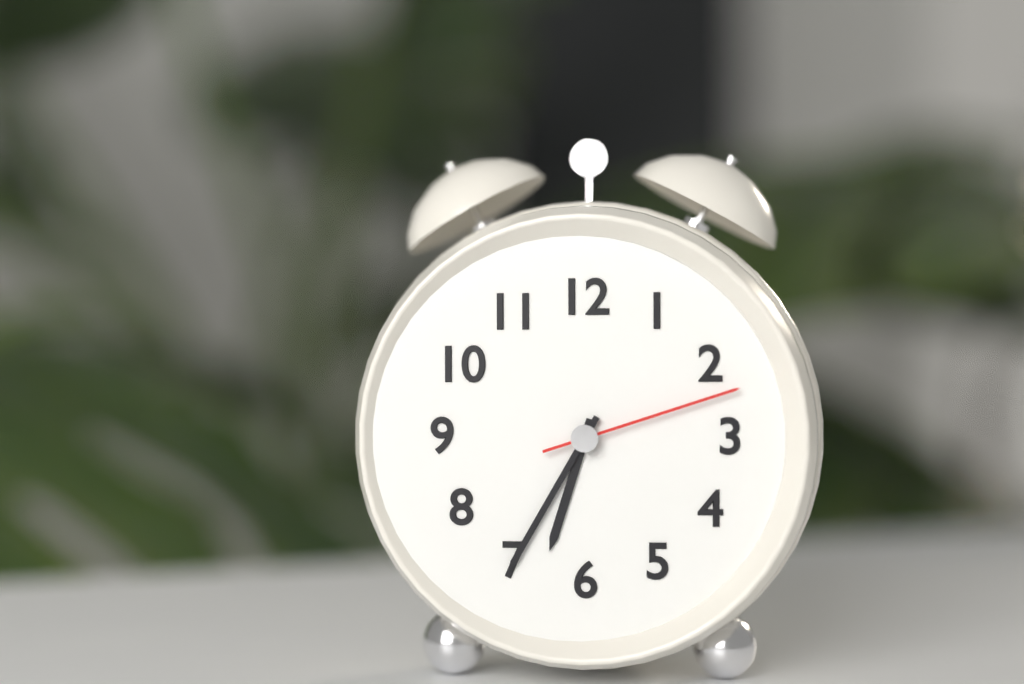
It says 6:35:12
